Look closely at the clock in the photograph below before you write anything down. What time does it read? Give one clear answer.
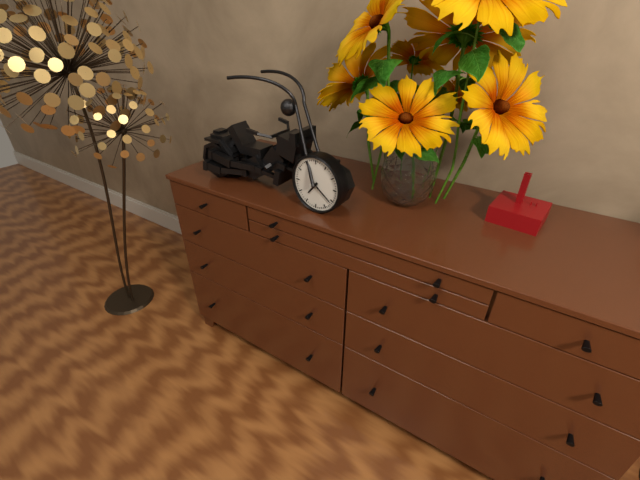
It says 7:21
